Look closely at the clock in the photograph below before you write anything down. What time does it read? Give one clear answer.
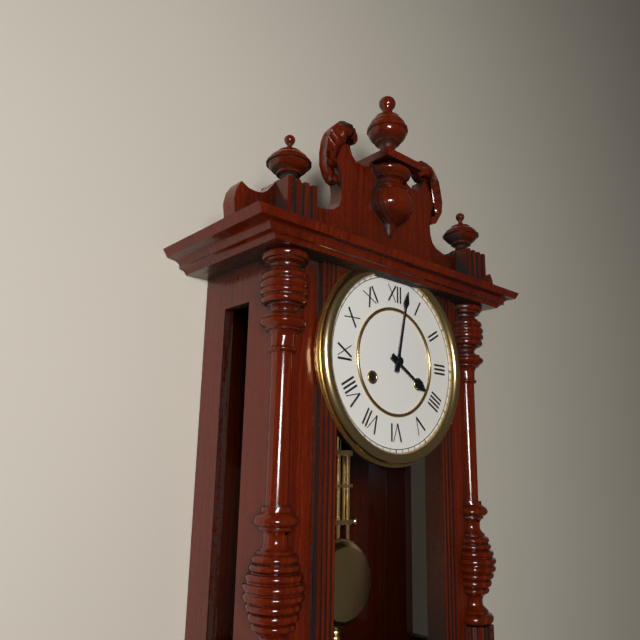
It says 4:02
